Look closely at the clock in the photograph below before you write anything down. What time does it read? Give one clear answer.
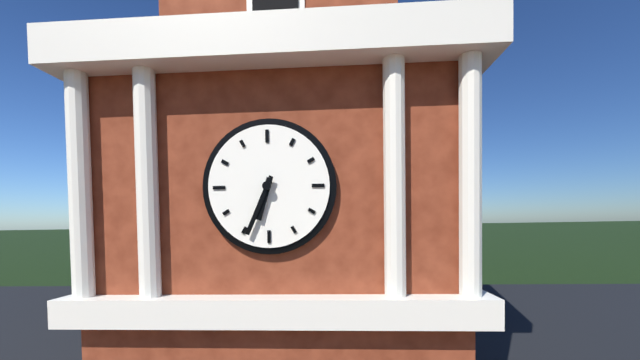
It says 6:34
